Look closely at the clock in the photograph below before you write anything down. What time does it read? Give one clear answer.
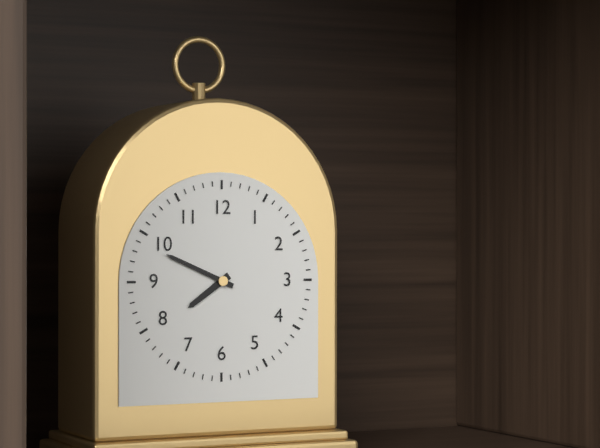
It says 7:49
